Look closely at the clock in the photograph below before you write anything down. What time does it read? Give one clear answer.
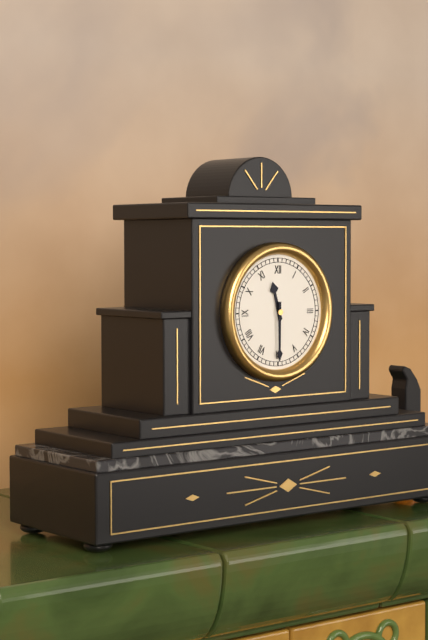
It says 11:30
